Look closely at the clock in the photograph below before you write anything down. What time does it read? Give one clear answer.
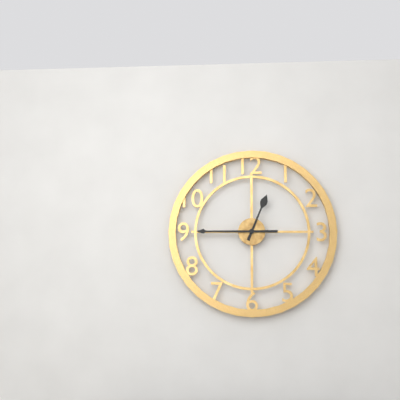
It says 12:45
